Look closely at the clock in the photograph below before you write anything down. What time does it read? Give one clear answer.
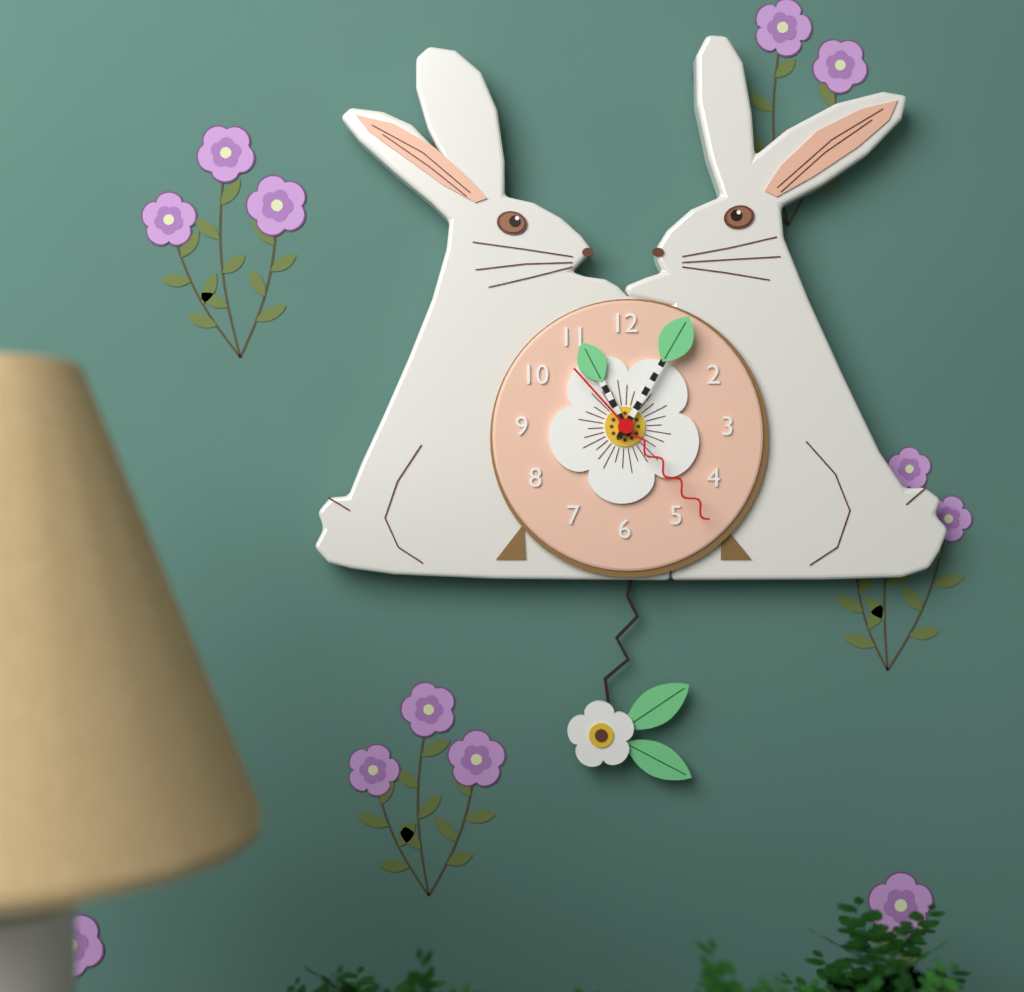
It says 11:05:23
